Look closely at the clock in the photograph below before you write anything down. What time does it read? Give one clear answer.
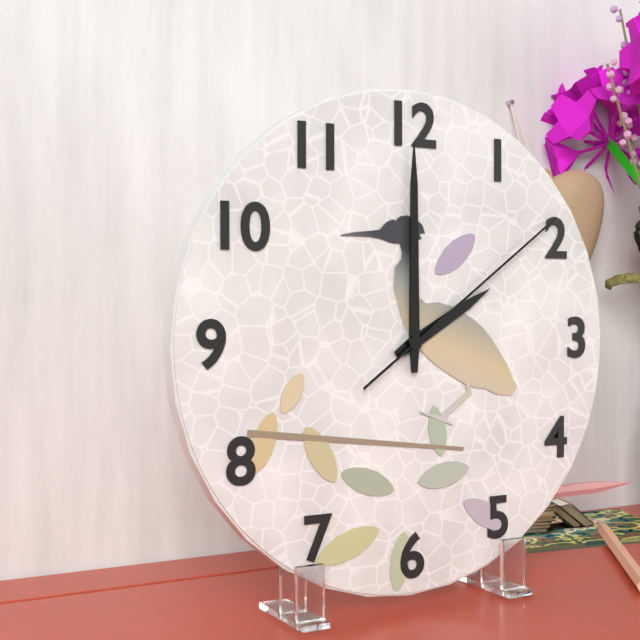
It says 2:00:09
